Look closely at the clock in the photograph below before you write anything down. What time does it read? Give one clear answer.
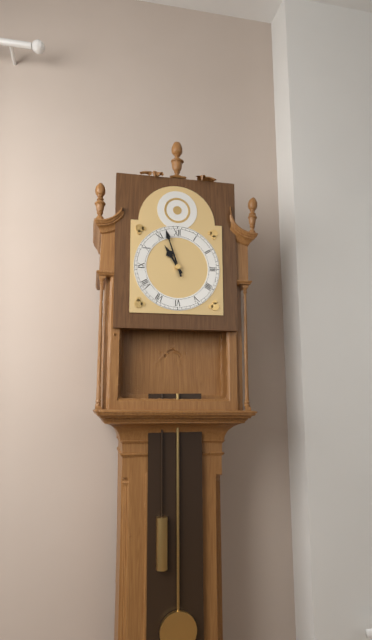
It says 10:57
